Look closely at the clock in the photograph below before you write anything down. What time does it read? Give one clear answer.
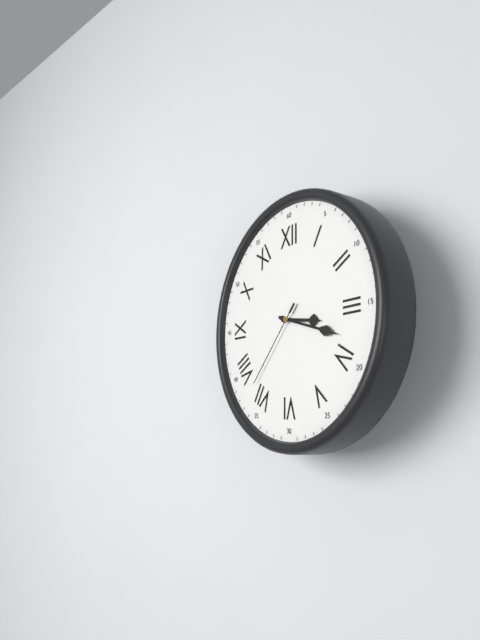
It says 3:18:37
